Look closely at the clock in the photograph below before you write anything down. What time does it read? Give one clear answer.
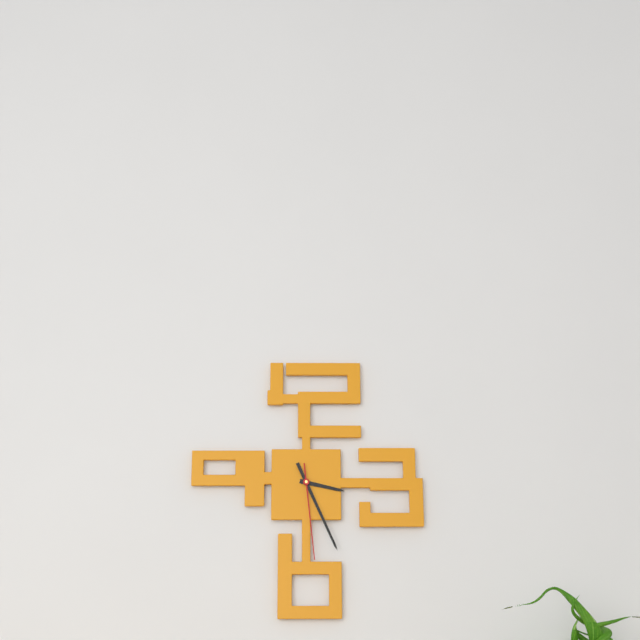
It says 3:26:29
